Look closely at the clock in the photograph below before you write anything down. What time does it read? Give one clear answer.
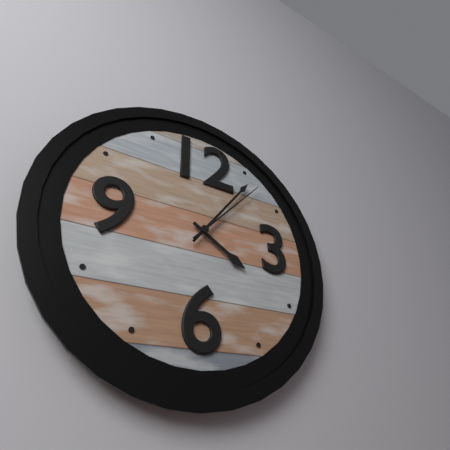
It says 4:06:07
